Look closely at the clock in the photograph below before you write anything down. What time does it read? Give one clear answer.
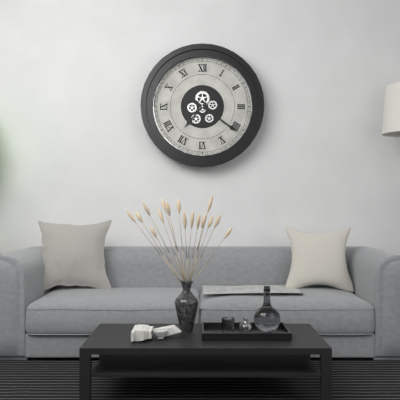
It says 7:21
